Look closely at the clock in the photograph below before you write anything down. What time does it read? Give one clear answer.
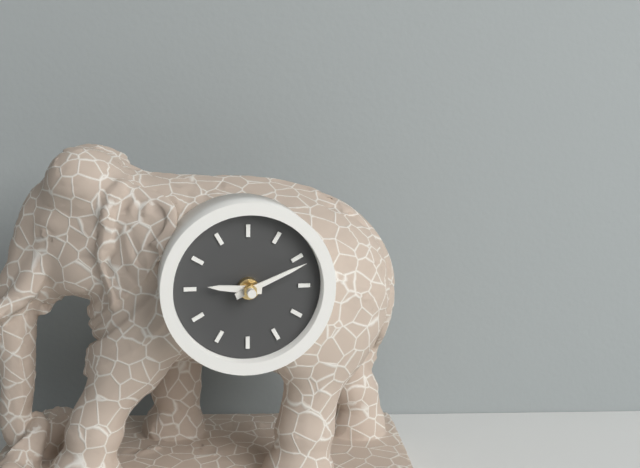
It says 9:11
